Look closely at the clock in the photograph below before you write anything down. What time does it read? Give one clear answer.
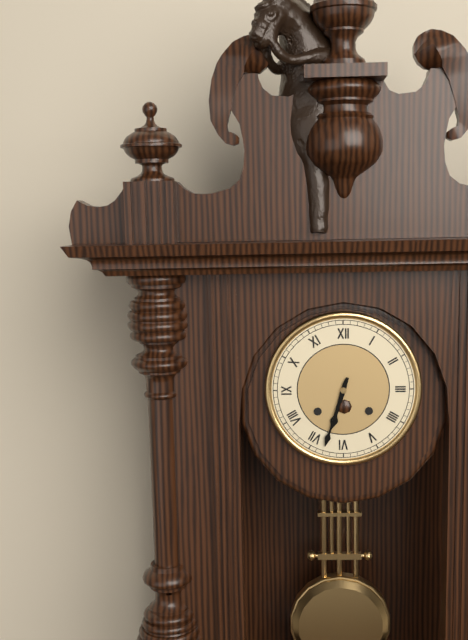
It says 6:33
